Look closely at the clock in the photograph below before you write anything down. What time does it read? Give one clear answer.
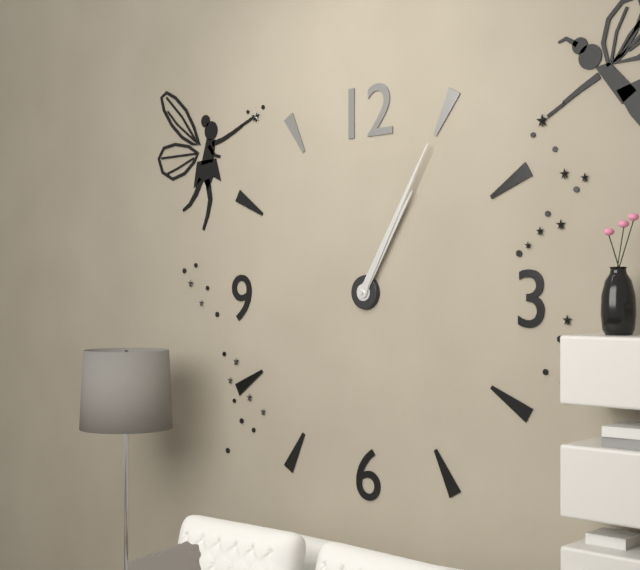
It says 1:05
